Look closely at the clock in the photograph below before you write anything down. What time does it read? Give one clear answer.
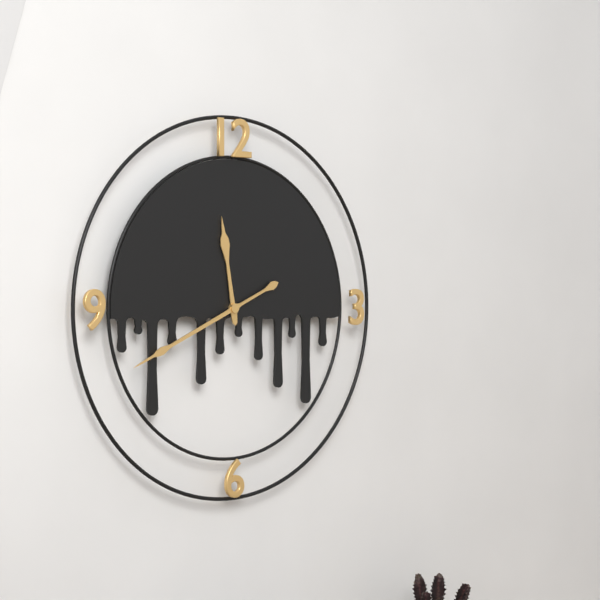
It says 11:41
